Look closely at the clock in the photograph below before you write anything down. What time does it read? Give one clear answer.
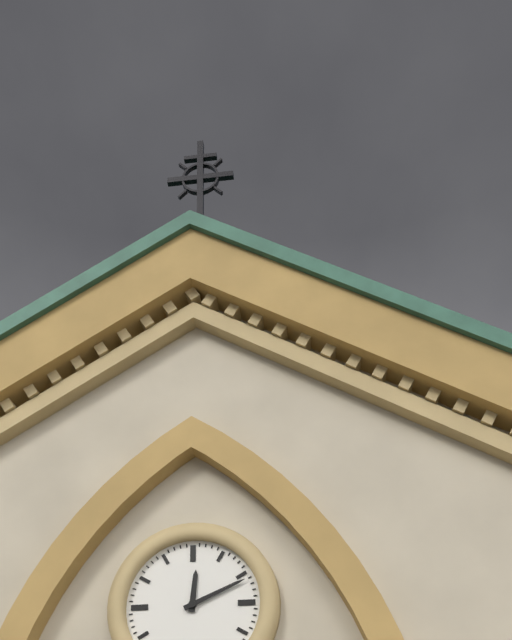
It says 12:11
